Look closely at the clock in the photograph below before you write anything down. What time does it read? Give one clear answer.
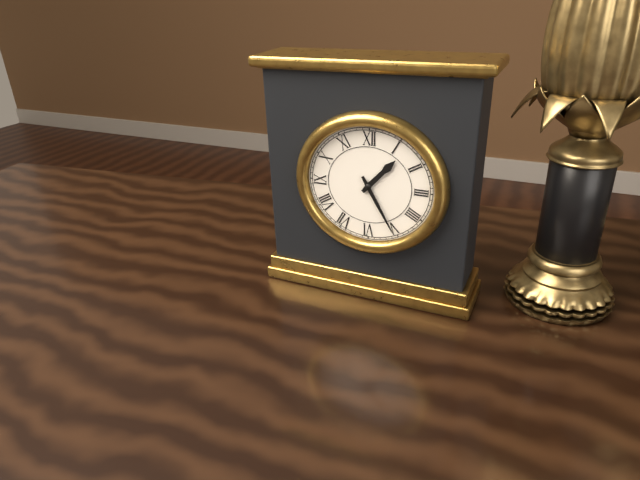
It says 1:25
